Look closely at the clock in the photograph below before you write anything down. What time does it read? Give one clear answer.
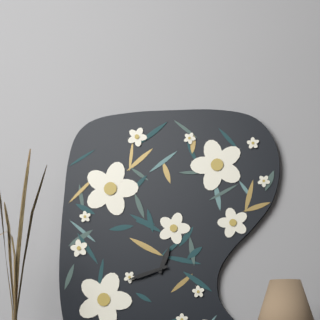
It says 12:42
